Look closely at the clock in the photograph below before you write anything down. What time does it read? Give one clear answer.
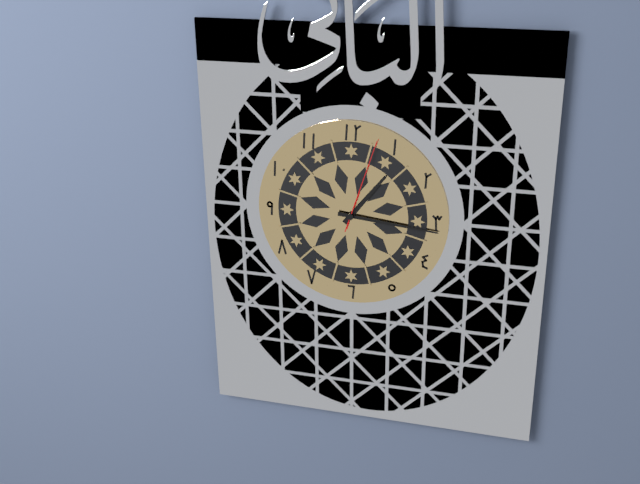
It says 1:16:03
